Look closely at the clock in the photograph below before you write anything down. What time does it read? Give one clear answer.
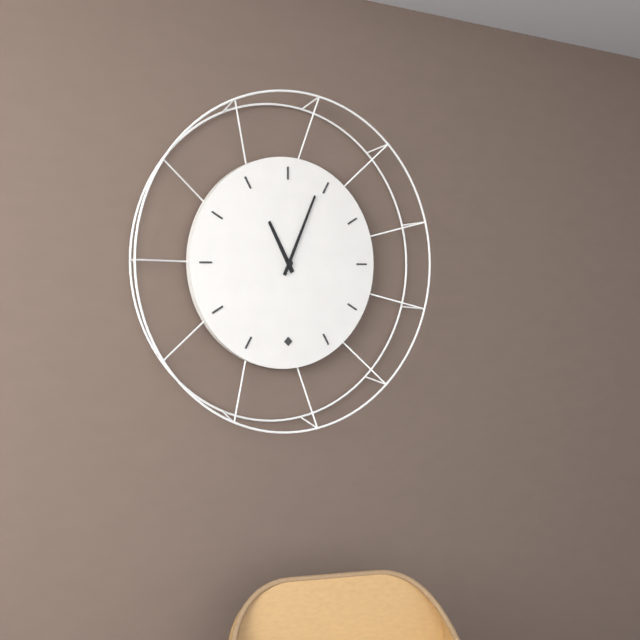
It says 11:04
